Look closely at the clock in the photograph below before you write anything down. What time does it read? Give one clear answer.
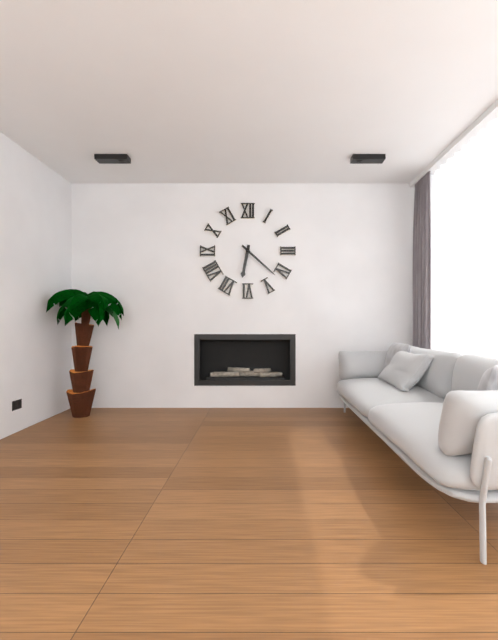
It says 6:22
